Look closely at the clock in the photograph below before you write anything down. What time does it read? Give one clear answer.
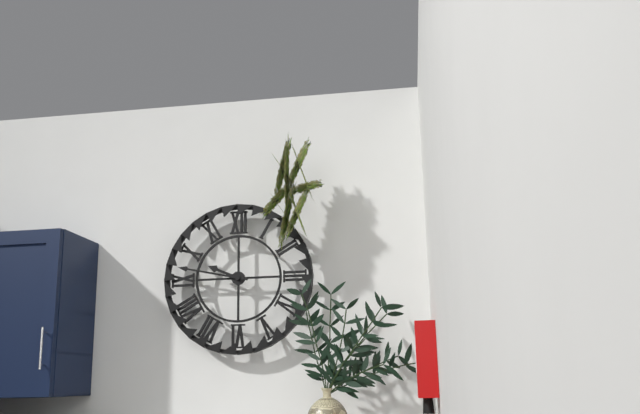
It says 9:47
